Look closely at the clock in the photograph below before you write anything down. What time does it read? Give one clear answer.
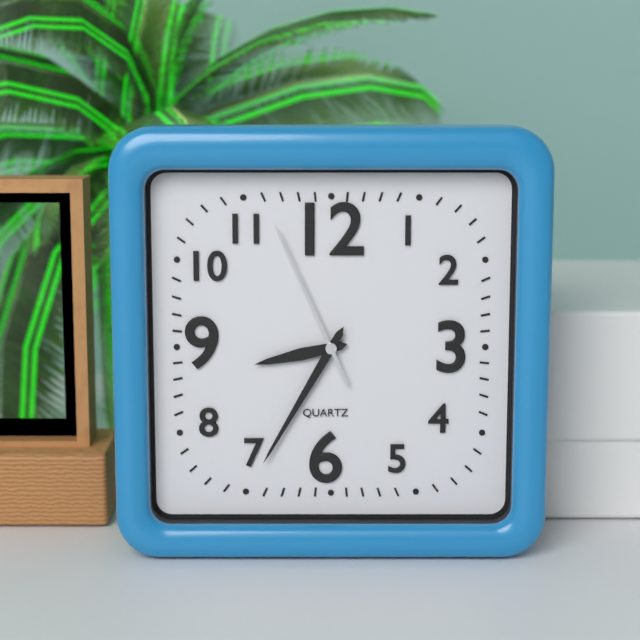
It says 8:35:56
